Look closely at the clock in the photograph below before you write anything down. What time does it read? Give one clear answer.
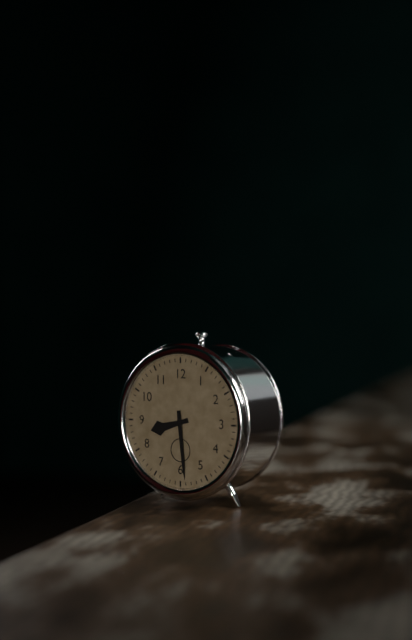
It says 8:29
